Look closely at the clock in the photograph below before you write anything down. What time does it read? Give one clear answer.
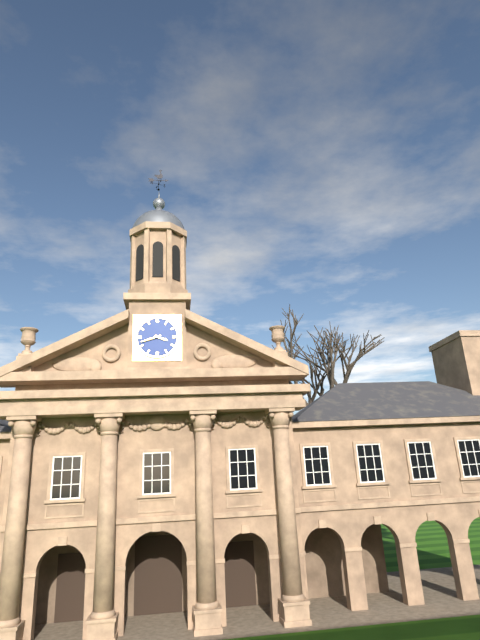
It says 3:42
